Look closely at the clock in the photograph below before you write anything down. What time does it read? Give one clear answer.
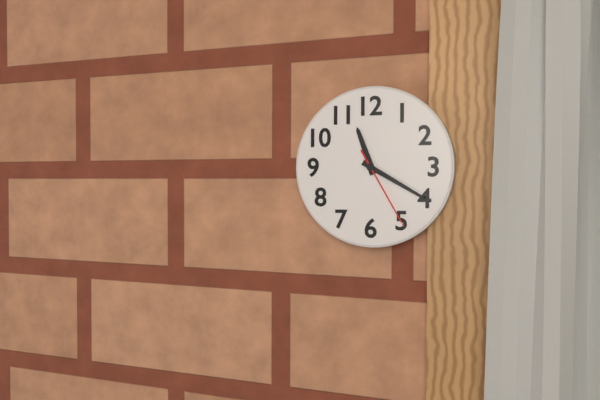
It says 11:20:25
